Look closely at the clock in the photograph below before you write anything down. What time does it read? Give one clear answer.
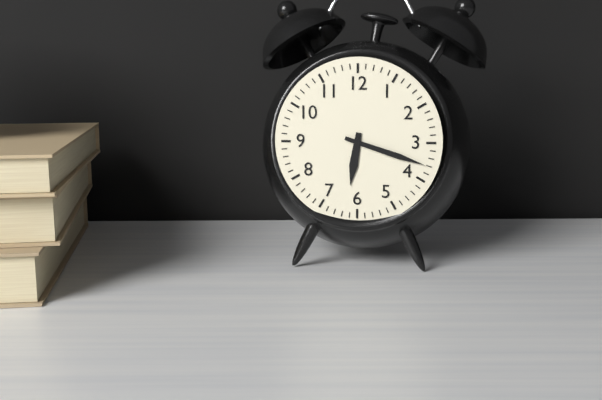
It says 6:18
